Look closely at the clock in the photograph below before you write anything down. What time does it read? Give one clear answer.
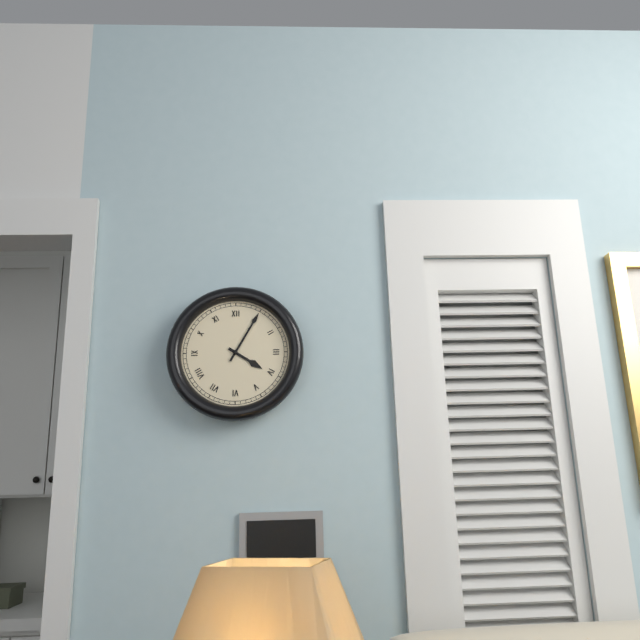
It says 4:05
